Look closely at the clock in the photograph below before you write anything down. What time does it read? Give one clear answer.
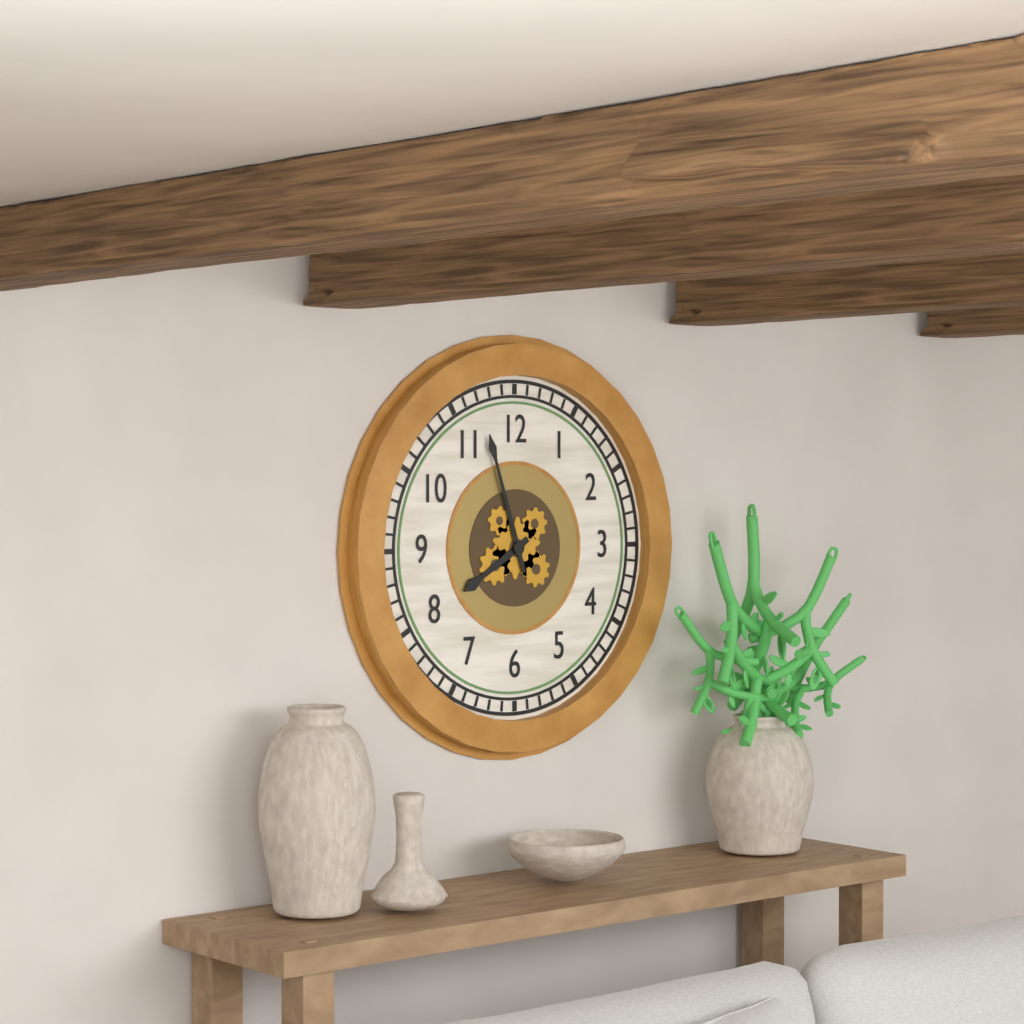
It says 7:57
